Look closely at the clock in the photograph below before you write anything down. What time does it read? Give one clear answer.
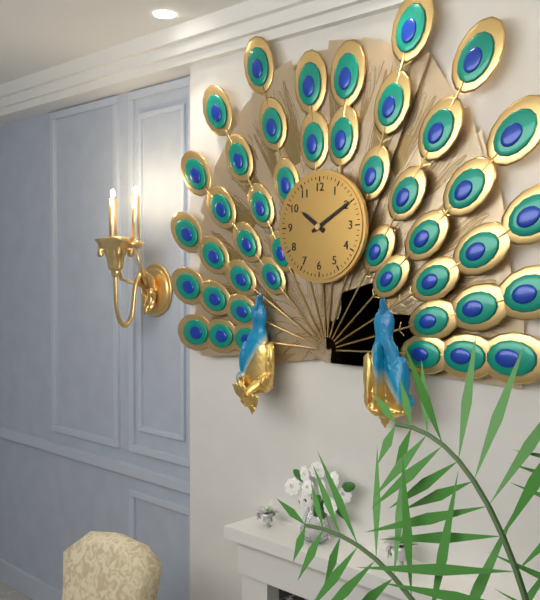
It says 10:10
